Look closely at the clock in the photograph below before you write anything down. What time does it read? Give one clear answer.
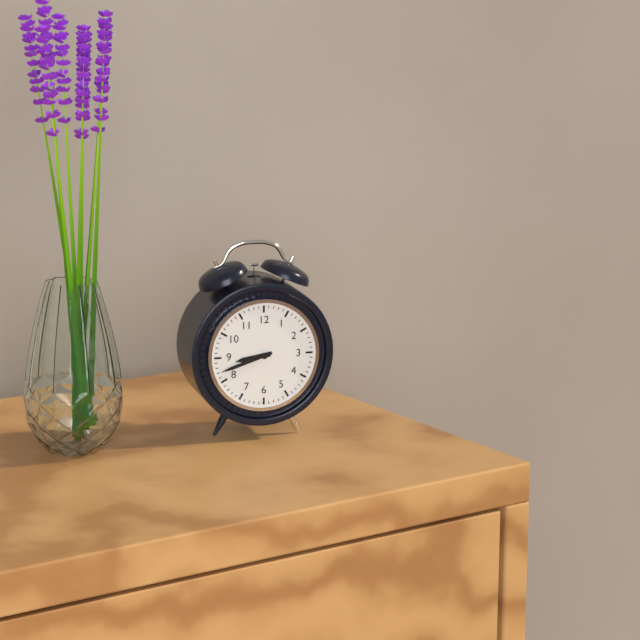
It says 8:42
